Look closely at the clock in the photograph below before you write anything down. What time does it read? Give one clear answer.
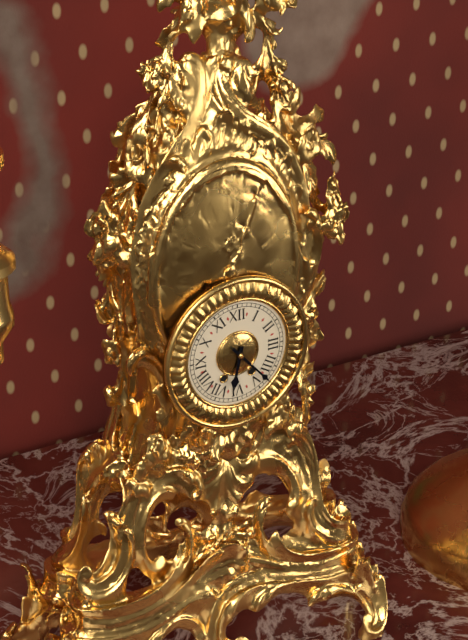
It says 6:23
